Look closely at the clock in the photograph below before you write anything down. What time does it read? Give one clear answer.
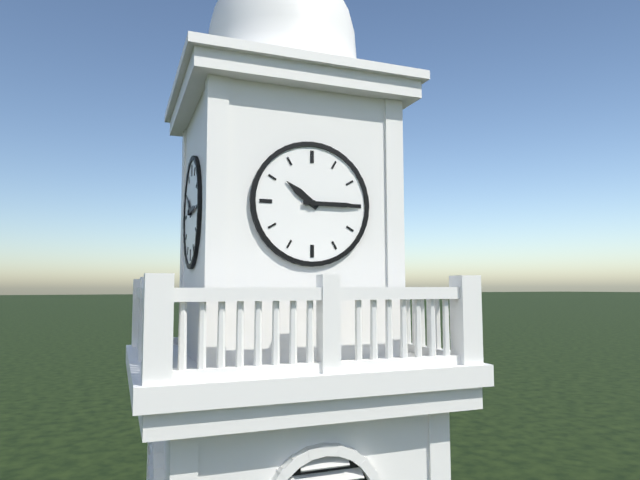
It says 10:15
